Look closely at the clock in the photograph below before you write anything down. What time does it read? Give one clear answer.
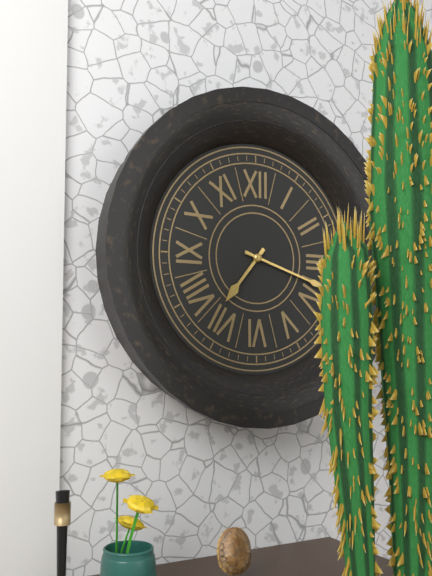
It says 7:18
